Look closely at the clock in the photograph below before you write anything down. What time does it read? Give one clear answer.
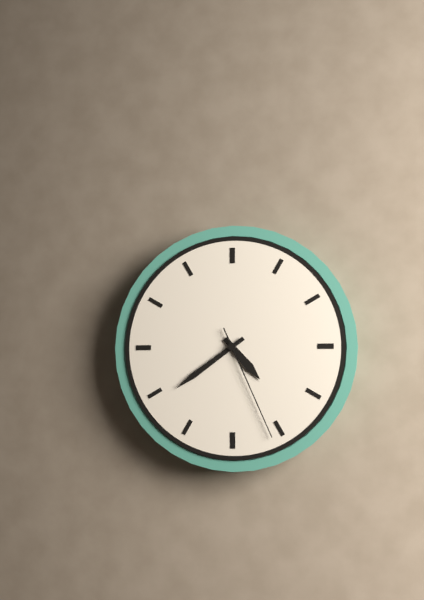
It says 4:39:26
